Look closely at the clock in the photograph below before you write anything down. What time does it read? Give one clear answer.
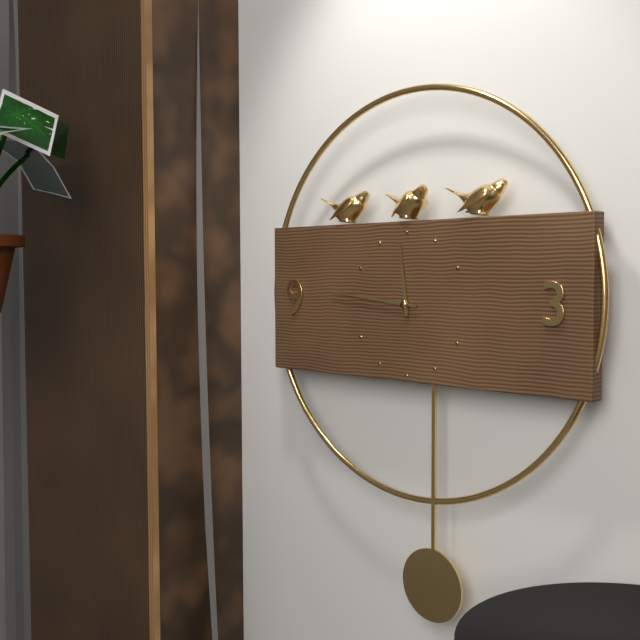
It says 11:46
